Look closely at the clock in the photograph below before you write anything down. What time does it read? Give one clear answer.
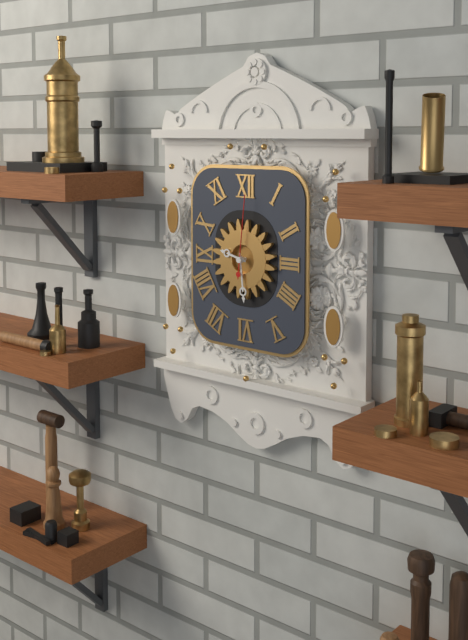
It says 9:29:01
